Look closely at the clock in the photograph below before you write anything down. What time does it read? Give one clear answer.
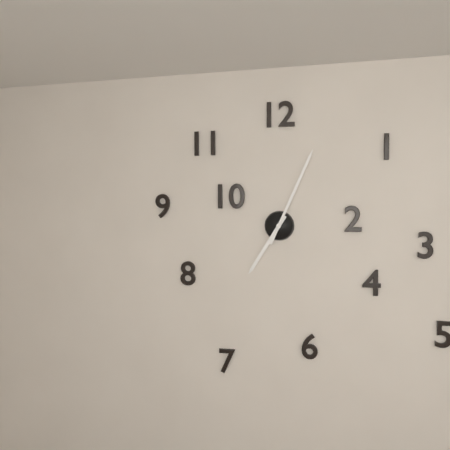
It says 7:04
